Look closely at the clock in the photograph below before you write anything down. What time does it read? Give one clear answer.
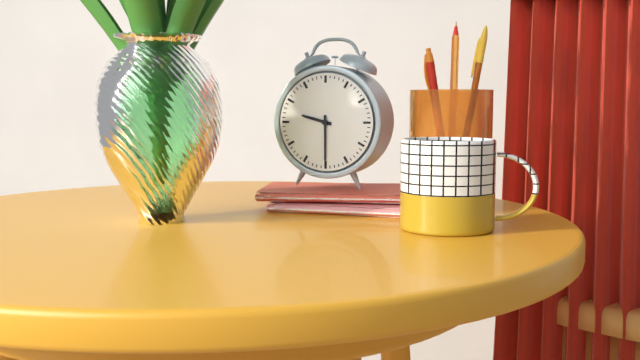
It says 9:30
